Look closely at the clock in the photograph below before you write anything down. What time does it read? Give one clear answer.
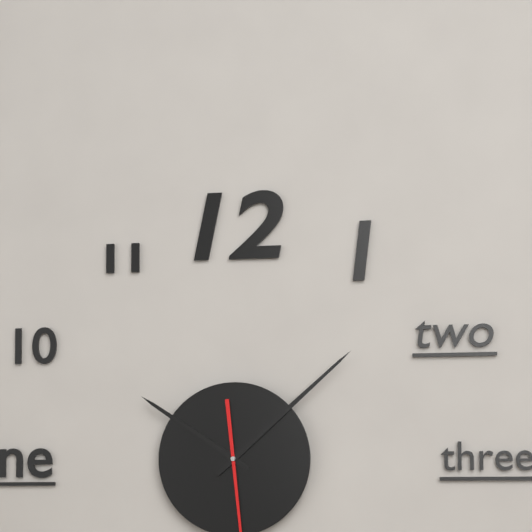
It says 10:08
